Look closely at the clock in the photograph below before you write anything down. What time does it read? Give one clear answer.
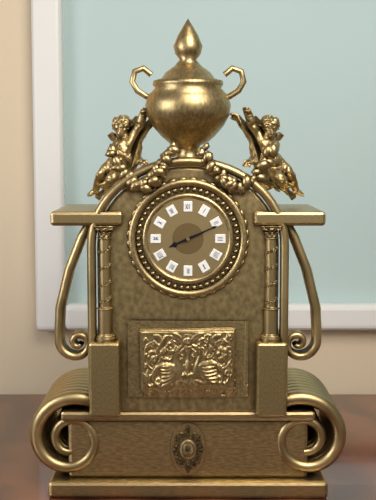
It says 8:11
